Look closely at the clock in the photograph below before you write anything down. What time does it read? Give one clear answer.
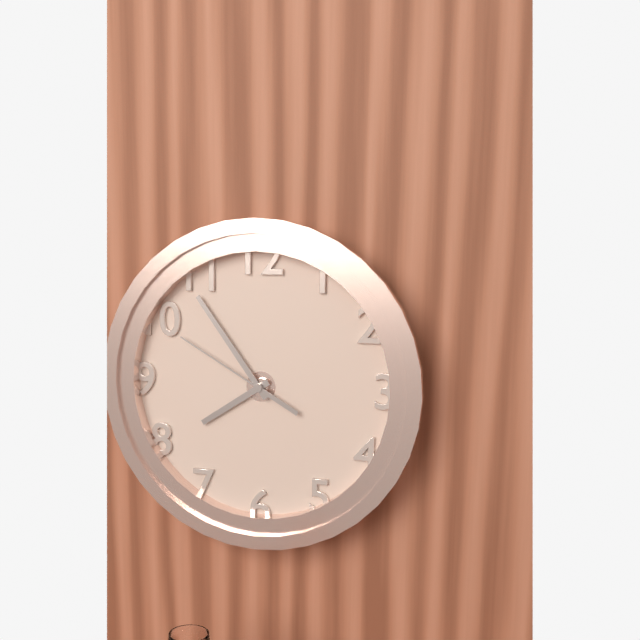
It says 7:54:50
